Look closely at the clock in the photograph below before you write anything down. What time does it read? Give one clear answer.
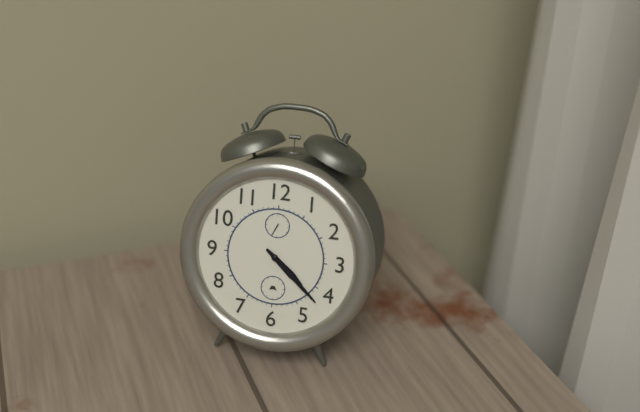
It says 4:22
